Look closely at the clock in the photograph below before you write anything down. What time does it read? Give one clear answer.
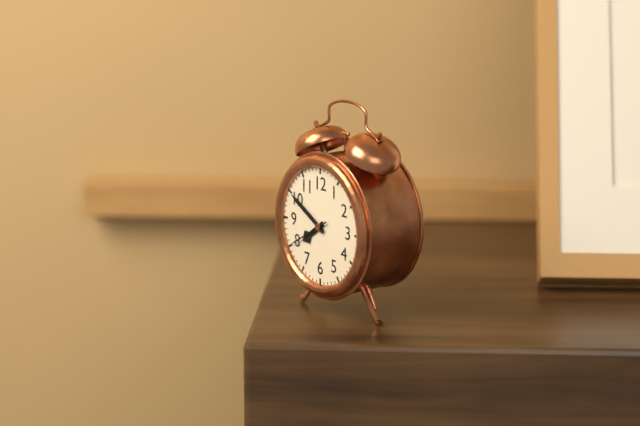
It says 7:50
